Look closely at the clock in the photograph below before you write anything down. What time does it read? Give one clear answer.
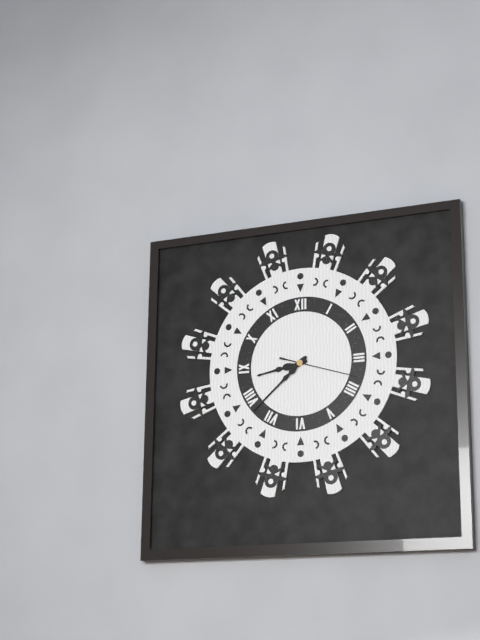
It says 8:38:18
